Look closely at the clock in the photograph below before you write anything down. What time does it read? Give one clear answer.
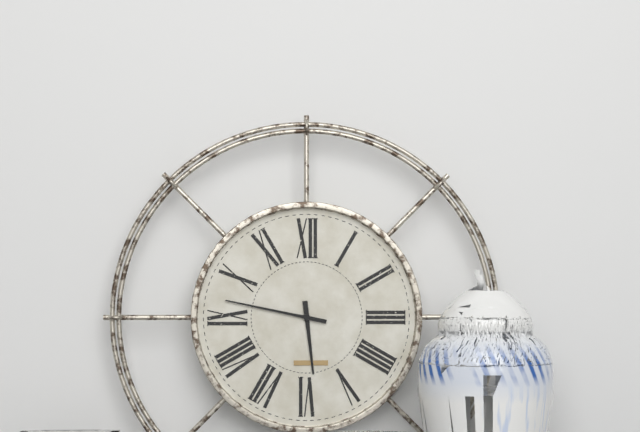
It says 5:47
